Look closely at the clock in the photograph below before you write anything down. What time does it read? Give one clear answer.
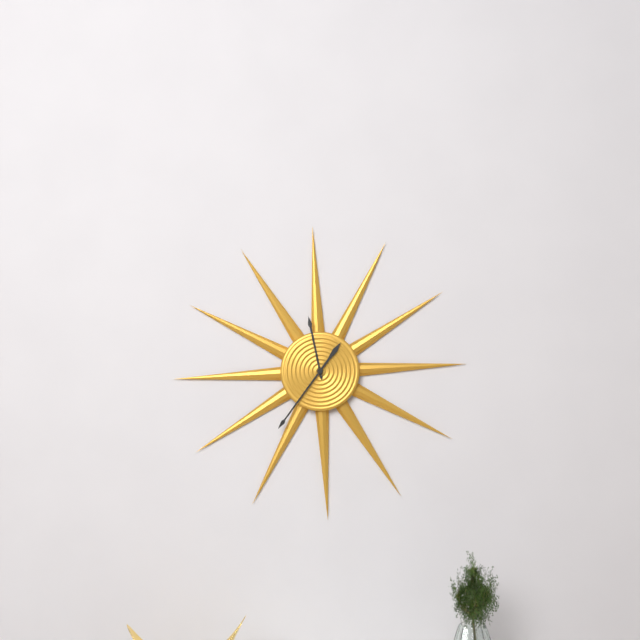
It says 11:36
